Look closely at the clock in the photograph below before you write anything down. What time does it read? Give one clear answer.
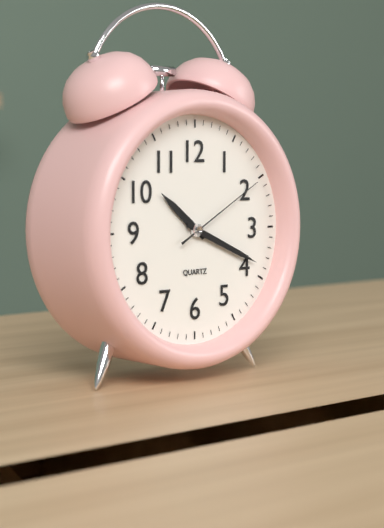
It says 10:19:10
